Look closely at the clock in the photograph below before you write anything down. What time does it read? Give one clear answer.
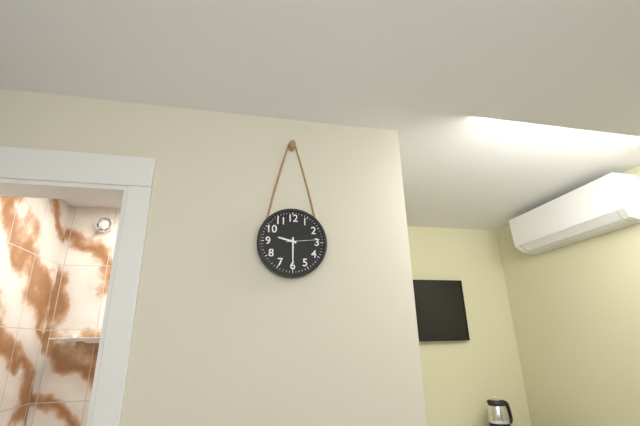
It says 9:30
